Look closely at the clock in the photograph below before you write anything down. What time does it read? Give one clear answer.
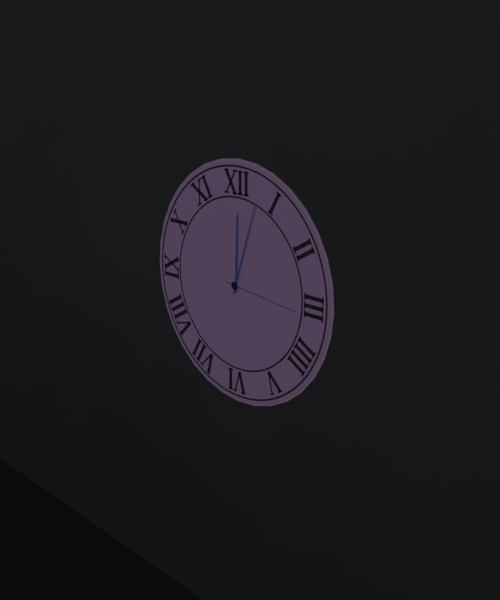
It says 12:03:16
